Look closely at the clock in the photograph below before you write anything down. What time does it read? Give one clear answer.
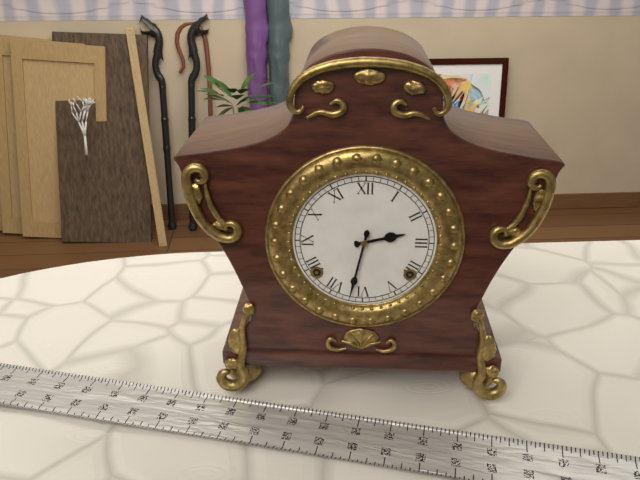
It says 2:32
